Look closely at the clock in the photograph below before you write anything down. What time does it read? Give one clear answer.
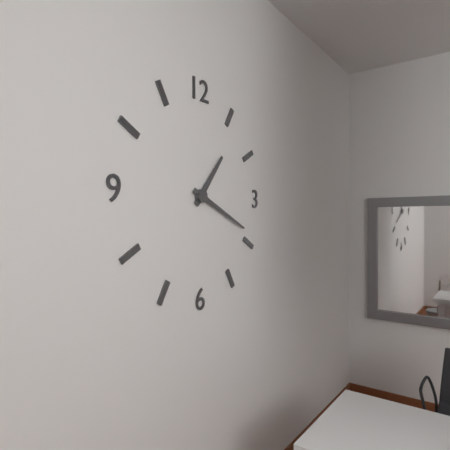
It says 1:19
